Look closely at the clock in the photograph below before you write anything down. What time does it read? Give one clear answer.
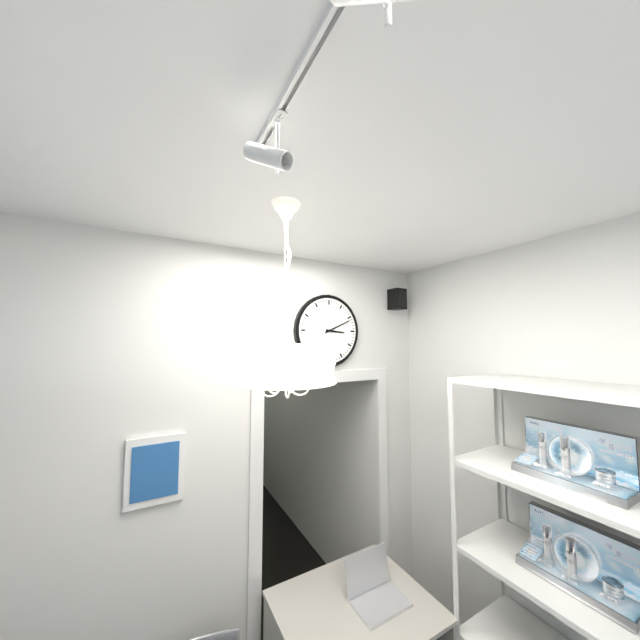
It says 3:11
